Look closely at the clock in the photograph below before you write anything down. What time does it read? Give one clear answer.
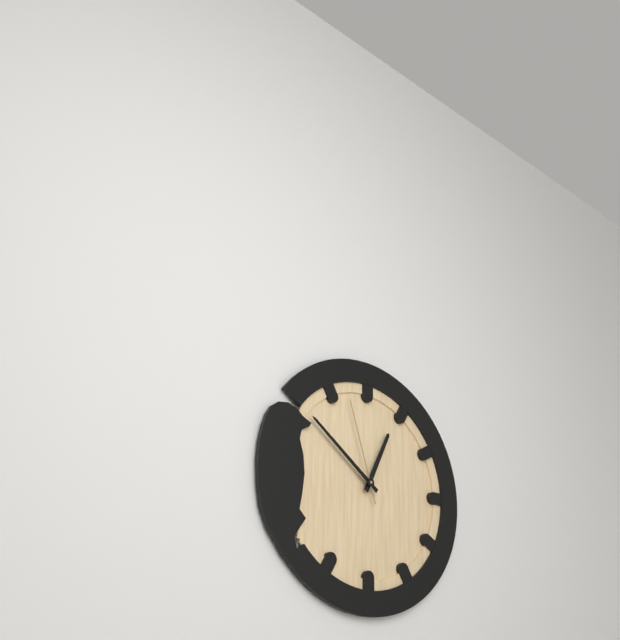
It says 12:51:57
